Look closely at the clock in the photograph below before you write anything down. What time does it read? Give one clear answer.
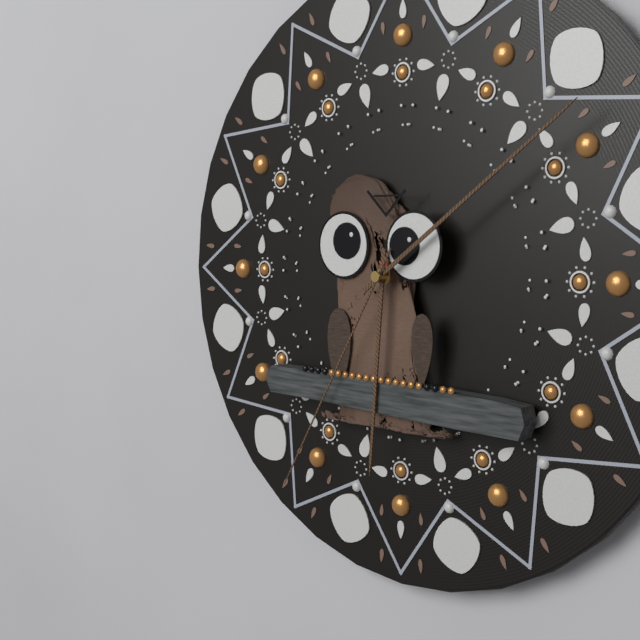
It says 6:09:35
